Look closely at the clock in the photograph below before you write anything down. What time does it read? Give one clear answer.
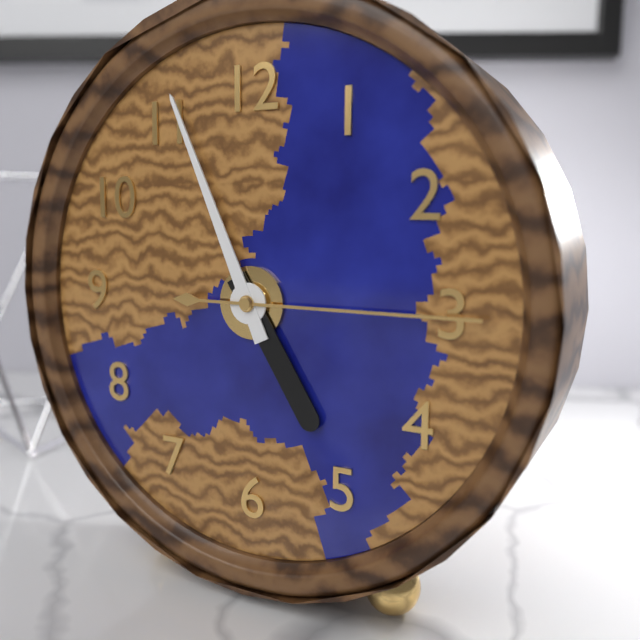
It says 4:56:15
